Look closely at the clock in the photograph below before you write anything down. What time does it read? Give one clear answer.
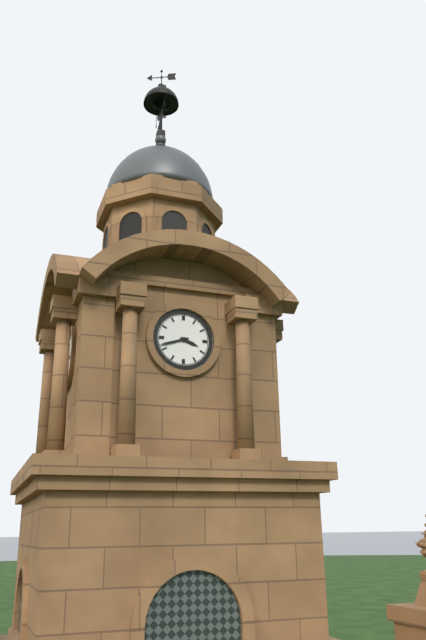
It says 3:42
